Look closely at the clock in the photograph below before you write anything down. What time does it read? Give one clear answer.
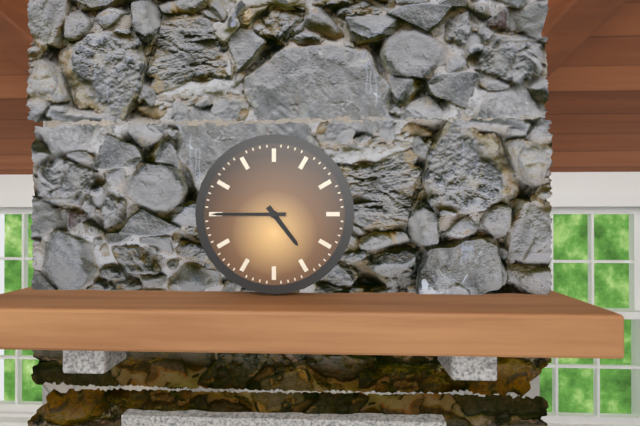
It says 4:45
